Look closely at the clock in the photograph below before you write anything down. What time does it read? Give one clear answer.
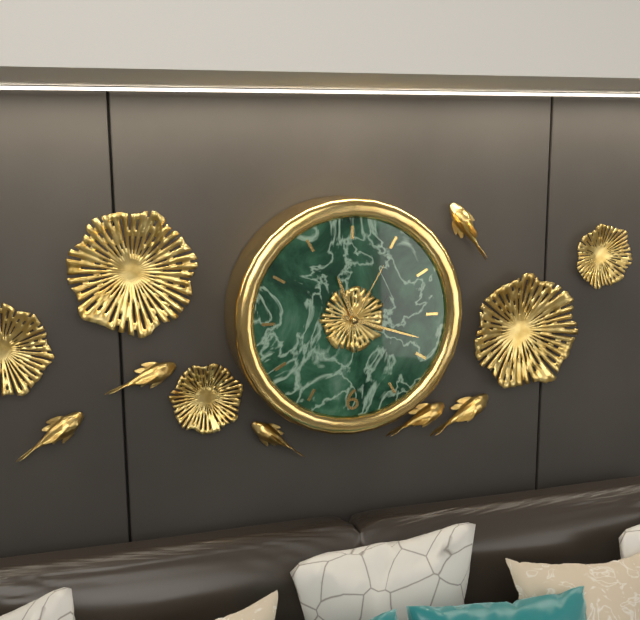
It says 11:18:05
